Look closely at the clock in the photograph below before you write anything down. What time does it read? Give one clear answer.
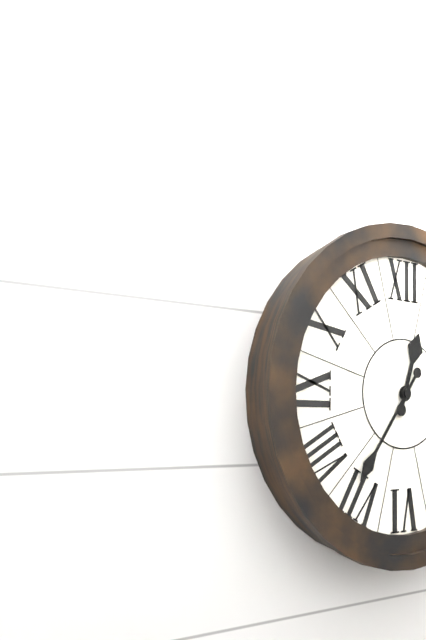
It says 12:36
